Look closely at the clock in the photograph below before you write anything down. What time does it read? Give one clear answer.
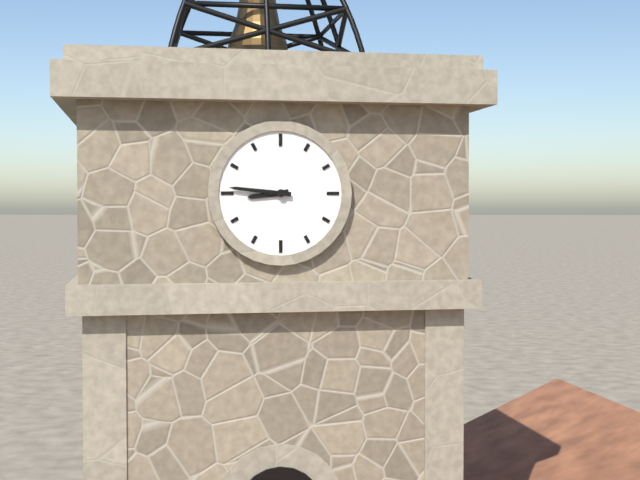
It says 8:46
